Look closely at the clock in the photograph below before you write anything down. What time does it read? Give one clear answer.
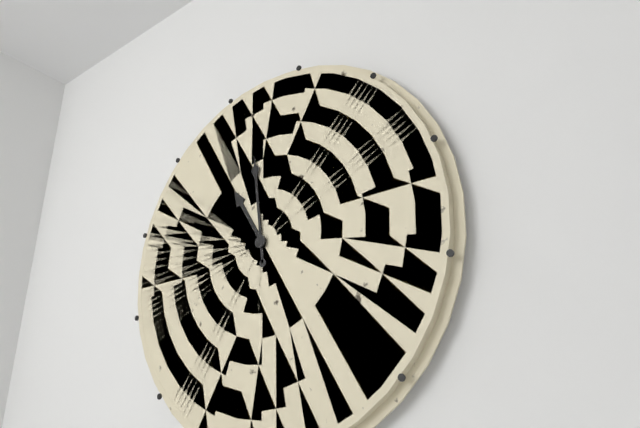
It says 10:59
